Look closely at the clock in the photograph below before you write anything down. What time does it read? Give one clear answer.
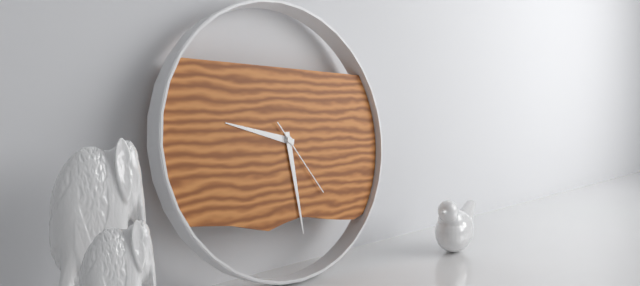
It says 9:29:24
